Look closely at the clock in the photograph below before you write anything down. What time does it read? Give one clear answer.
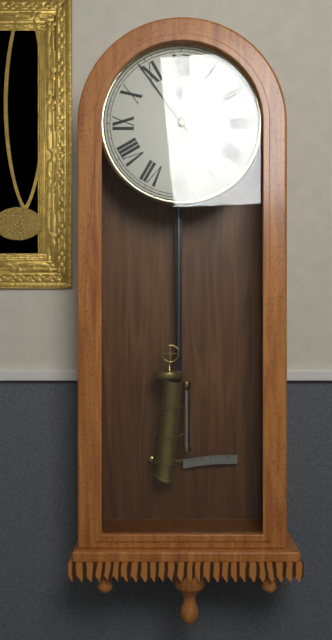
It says 11:54
